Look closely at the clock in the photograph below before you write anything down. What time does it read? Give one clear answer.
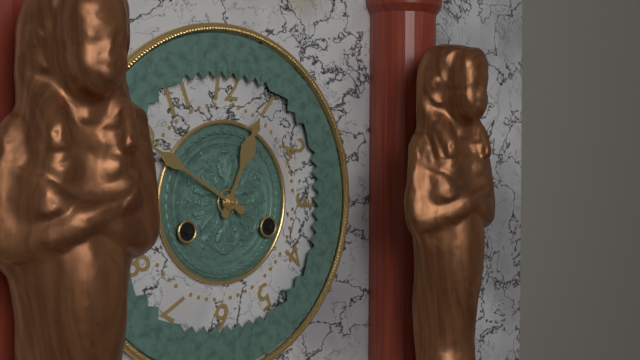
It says 12:50
